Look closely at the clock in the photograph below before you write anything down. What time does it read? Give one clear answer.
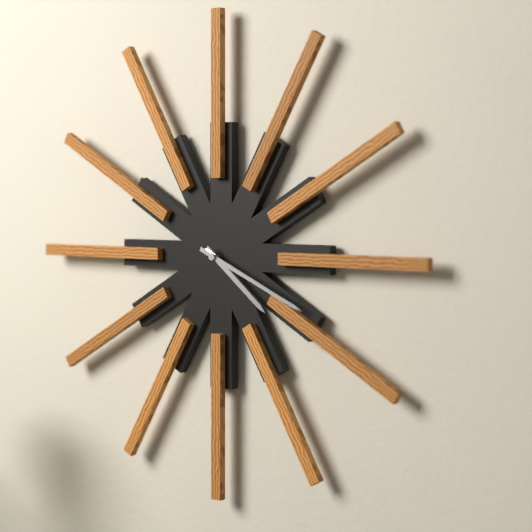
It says 4:19
